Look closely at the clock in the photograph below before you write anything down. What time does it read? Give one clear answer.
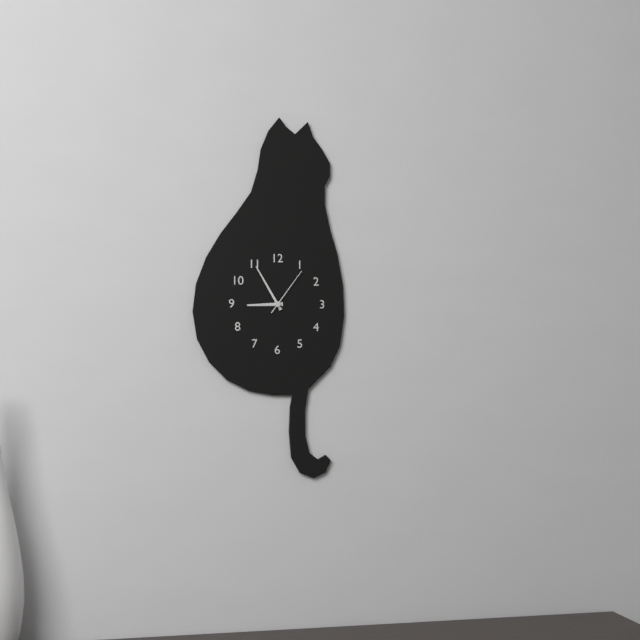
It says 8:55:06
